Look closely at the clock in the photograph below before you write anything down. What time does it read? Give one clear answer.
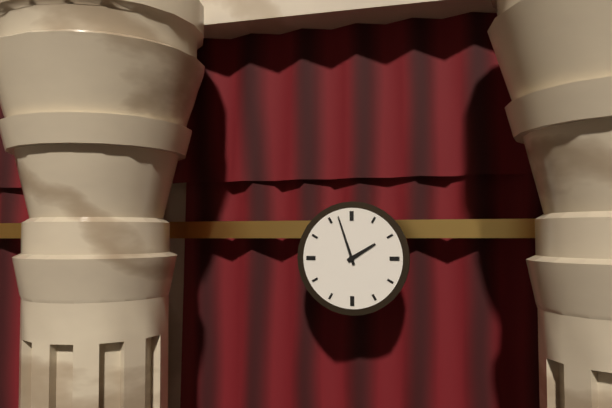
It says 1:57
